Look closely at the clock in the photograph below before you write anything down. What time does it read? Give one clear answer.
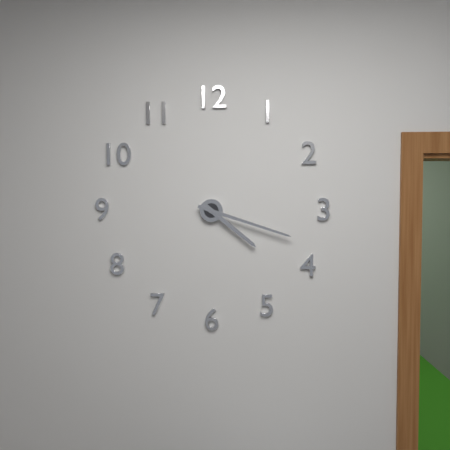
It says 4:18
